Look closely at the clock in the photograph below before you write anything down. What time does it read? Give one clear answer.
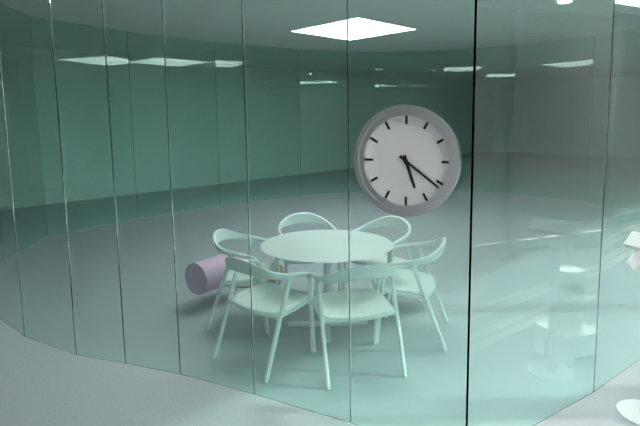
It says 5:21
